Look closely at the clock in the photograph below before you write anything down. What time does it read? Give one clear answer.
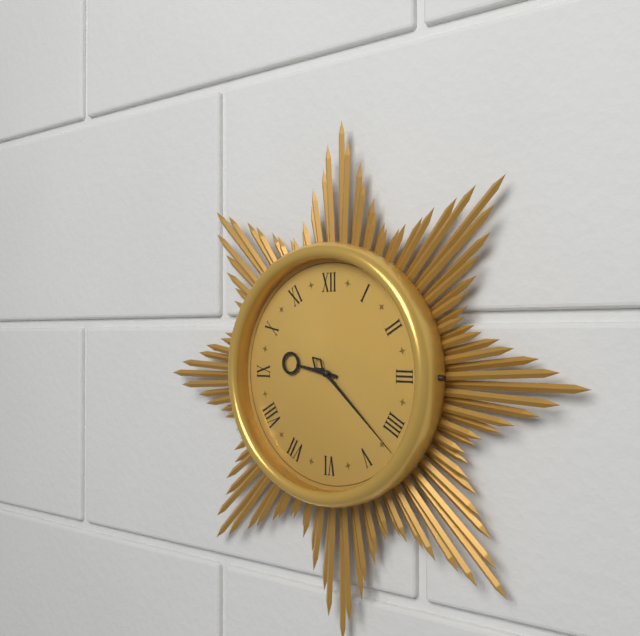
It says 9:22
